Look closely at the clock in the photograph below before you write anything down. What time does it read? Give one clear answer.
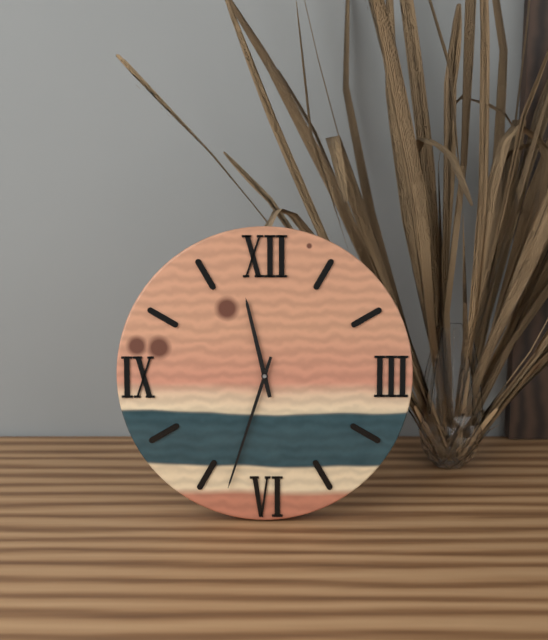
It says 11:33
